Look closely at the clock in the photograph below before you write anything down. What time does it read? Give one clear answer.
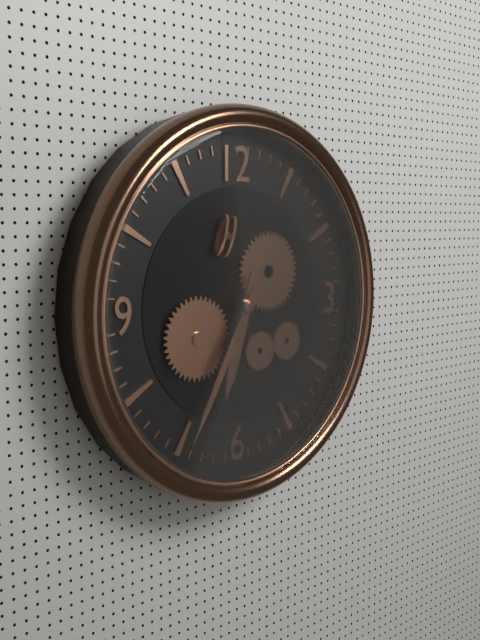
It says 6:35
